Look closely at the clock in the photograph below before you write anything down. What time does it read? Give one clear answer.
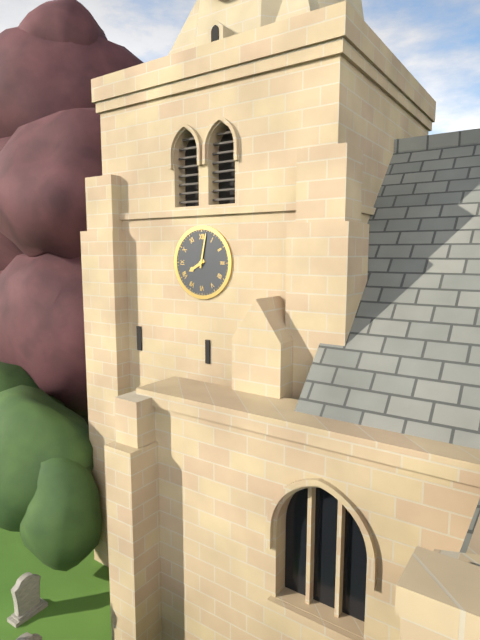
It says 8:02
